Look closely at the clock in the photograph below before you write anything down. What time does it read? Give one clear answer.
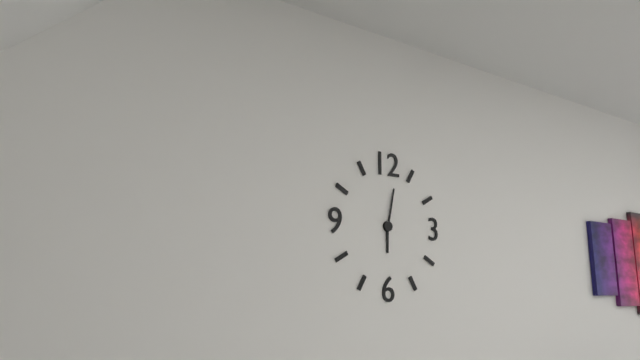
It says 6:02
